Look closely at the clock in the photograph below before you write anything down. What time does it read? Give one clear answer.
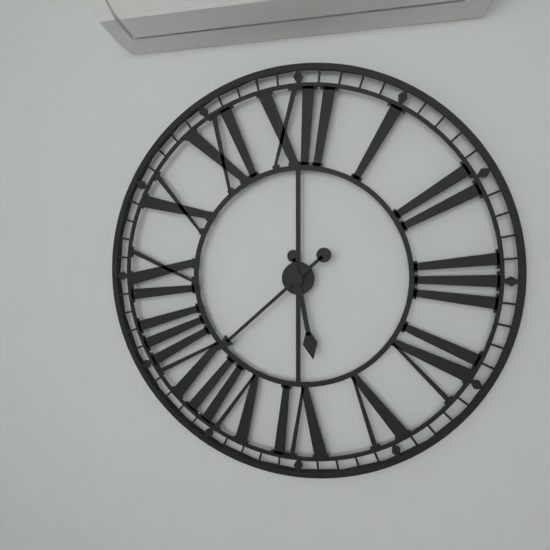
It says 5:38
